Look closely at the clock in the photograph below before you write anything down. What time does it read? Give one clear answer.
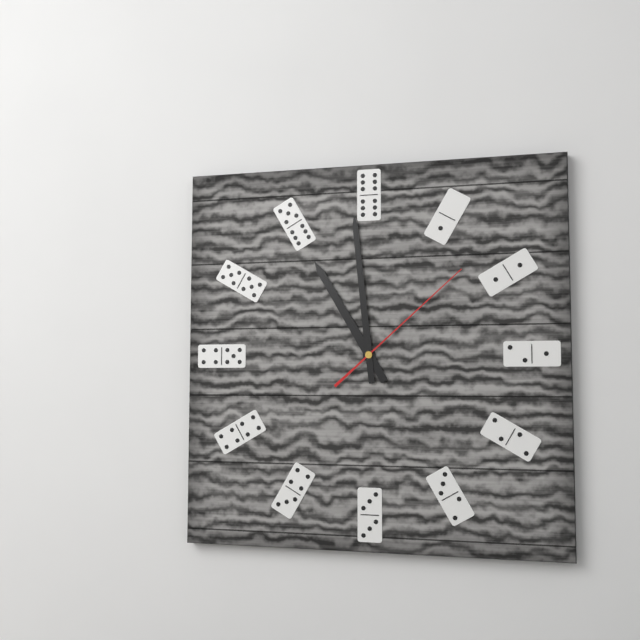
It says 10:59:08
